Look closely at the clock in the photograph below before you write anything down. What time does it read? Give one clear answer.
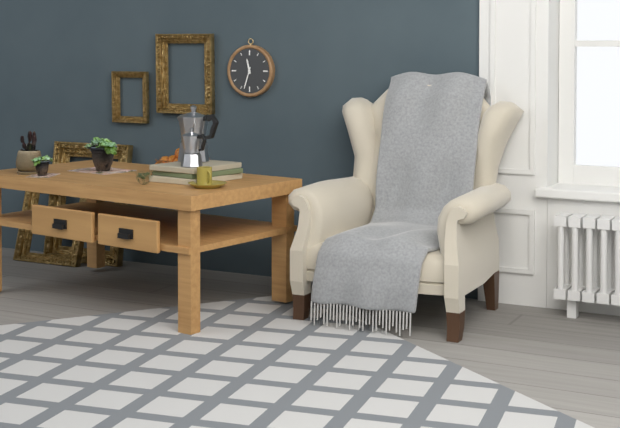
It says 11:33
